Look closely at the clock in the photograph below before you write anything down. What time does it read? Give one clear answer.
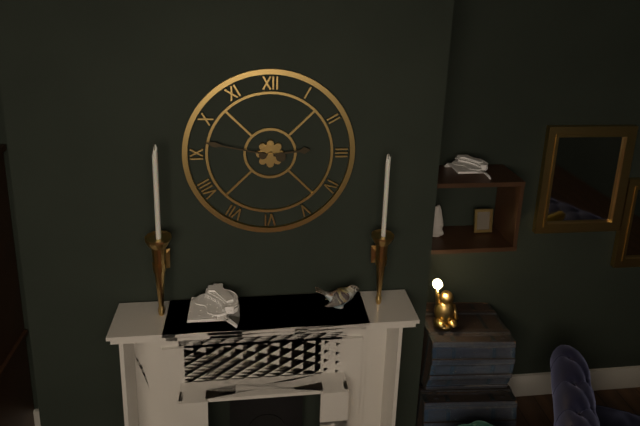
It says 2:47
